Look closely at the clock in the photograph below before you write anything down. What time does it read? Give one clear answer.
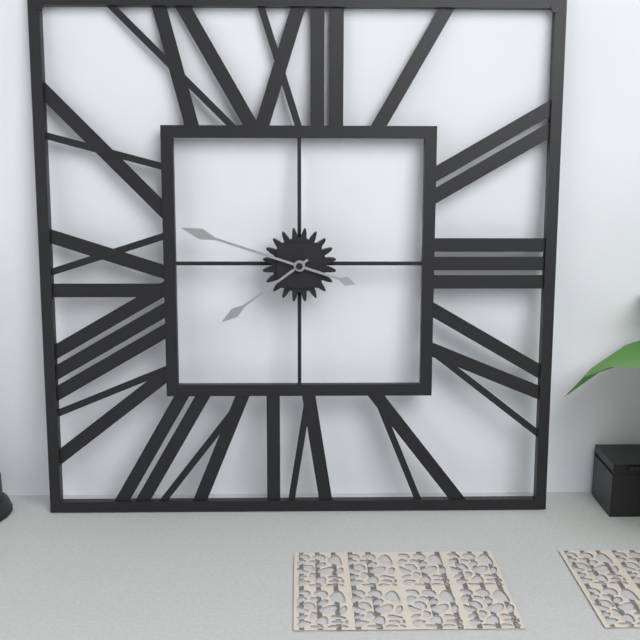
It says 7:48
